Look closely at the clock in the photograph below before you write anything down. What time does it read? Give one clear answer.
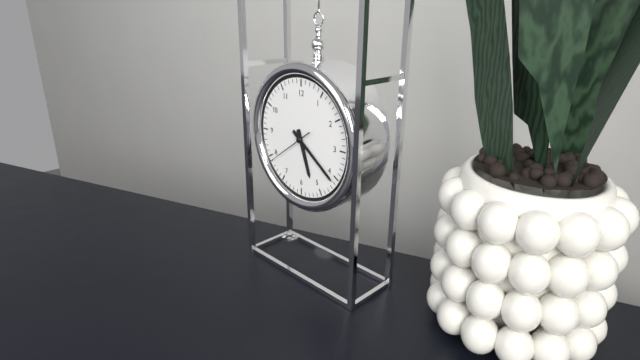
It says 5:21
